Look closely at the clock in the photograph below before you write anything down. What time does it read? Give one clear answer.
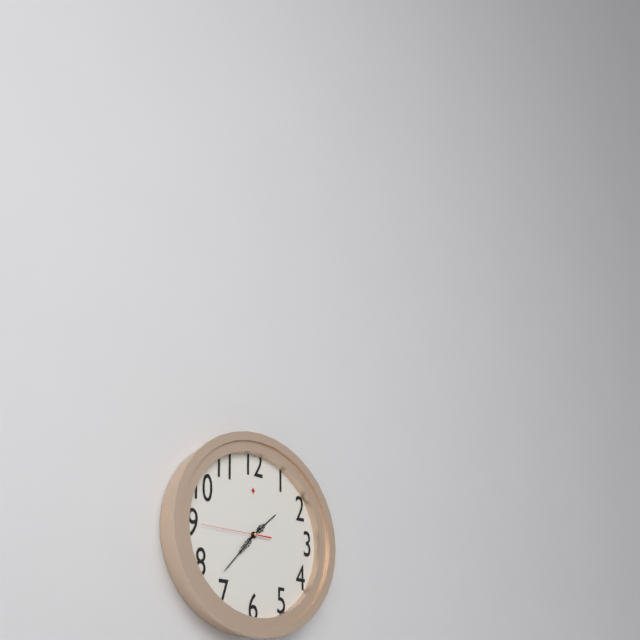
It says 1:37:45
